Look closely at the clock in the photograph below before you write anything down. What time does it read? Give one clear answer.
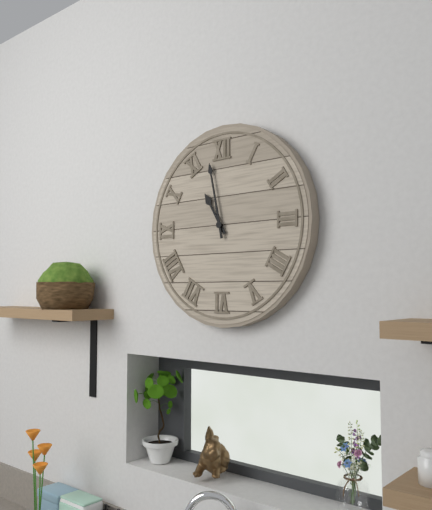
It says 10:58
